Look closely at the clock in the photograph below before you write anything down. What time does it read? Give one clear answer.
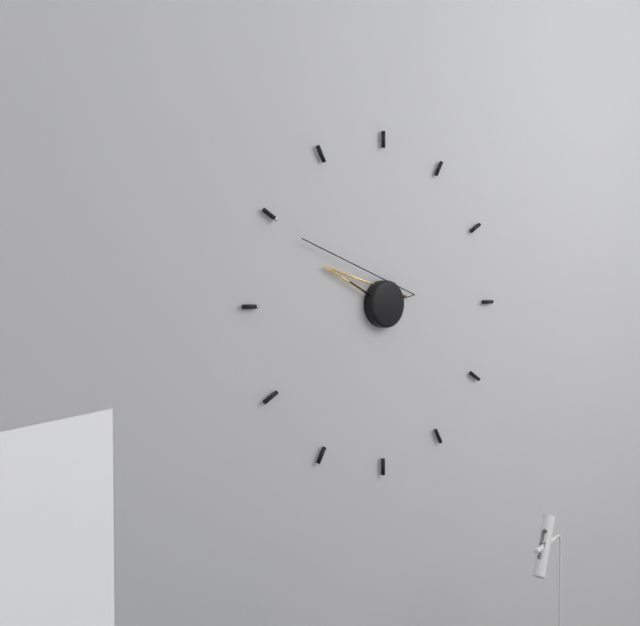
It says 9:50
